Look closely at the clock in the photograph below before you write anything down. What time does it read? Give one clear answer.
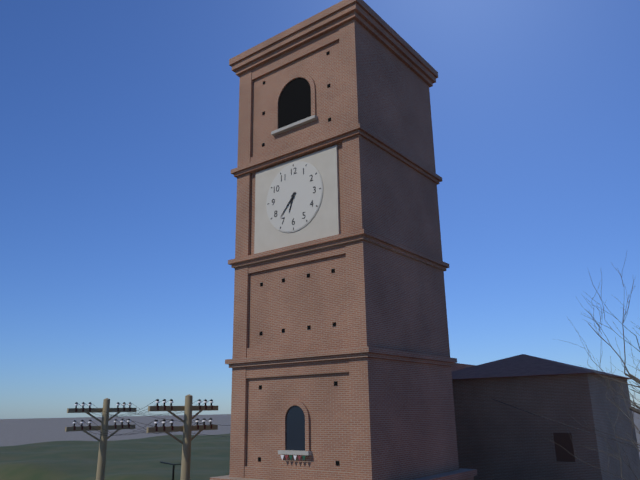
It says 6:37
